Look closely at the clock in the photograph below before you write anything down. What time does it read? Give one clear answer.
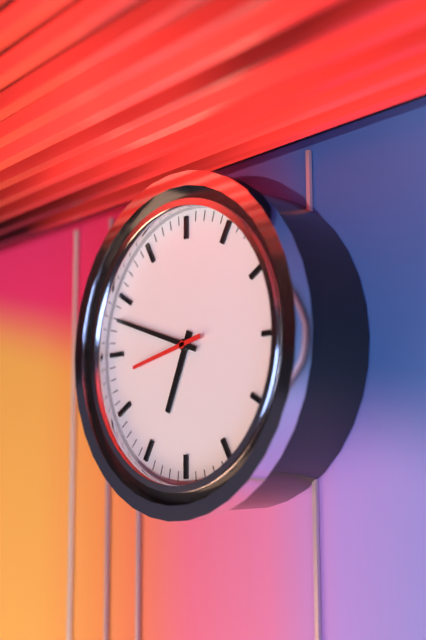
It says 6:48:43
